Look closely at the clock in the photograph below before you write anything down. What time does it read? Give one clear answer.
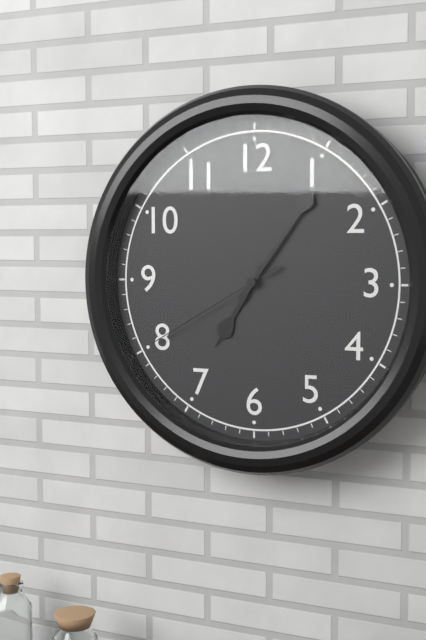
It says 7:06:40
